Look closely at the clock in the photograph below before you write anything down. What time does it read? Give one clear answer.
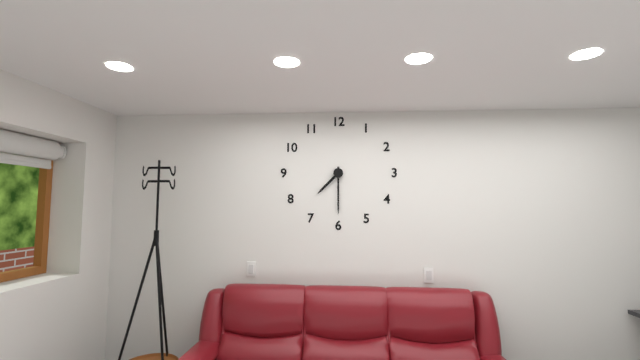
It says 7:30
